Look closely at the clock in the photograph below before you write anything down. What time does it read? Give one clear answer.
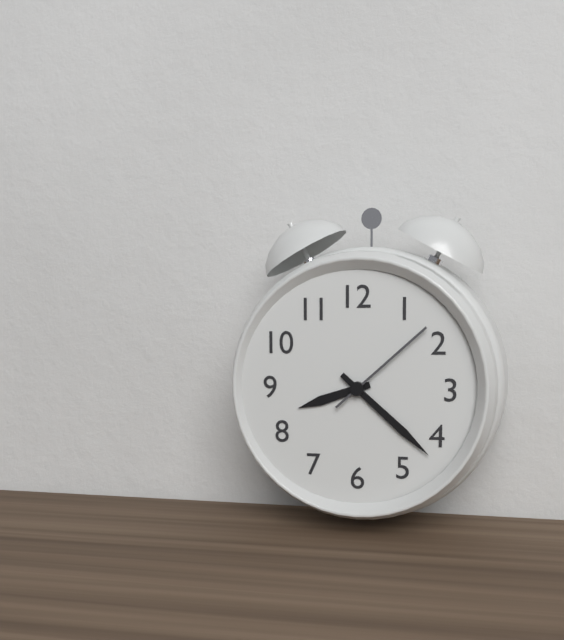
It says 8:22:08
